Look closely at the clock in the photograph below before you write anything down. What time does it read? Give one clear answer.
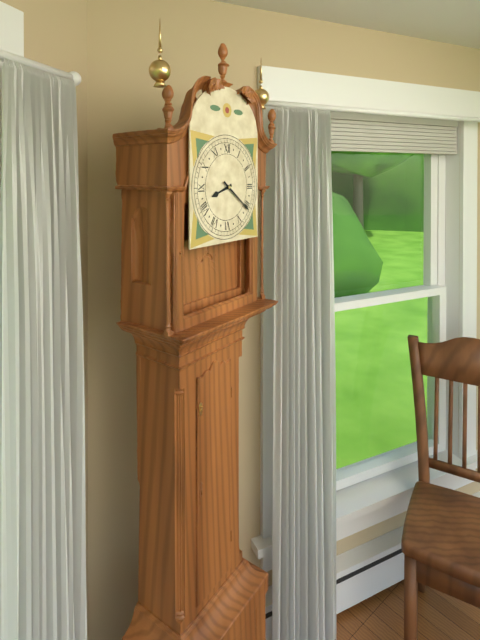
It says 8:21
